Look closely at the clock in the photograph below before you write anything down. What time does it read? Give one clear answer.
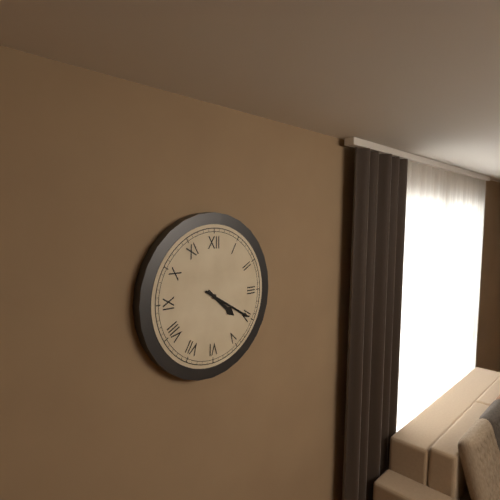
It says 4:20
